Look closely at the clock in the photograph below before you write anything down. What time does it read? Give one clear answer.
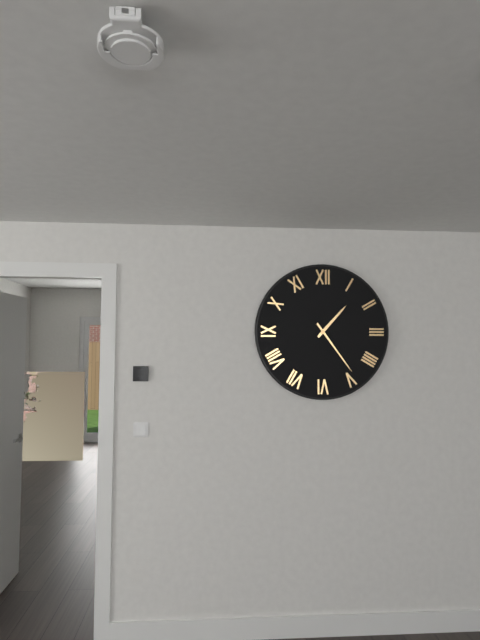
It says 1:24
